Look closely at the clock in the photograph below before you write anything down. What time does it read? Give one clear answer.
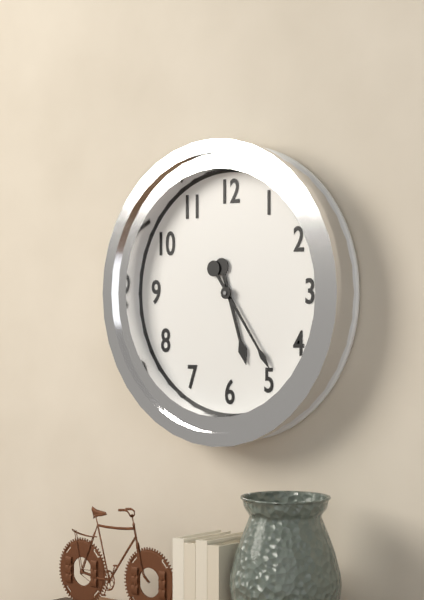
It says 5:24
